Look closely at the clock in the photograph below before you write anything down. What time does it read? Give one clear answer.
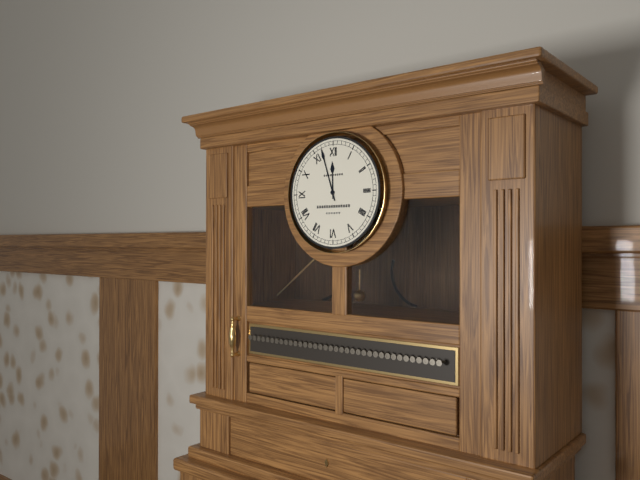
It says 11:57
